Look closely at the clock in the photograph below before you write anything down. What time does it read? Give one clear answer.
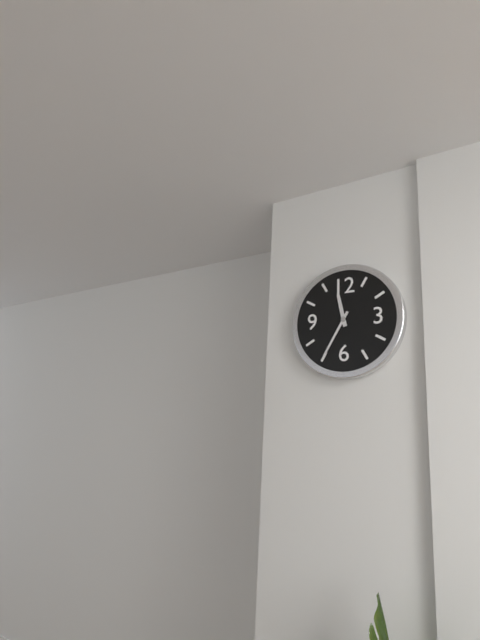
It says 11:35
